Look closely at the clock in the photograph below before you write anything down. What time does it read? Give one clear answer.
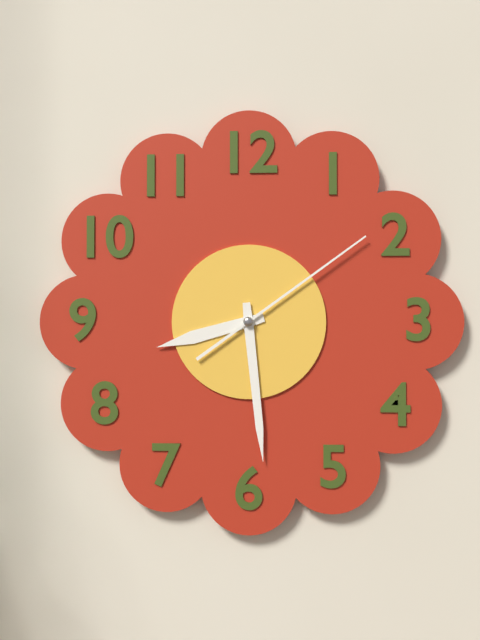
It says 8:29:09
